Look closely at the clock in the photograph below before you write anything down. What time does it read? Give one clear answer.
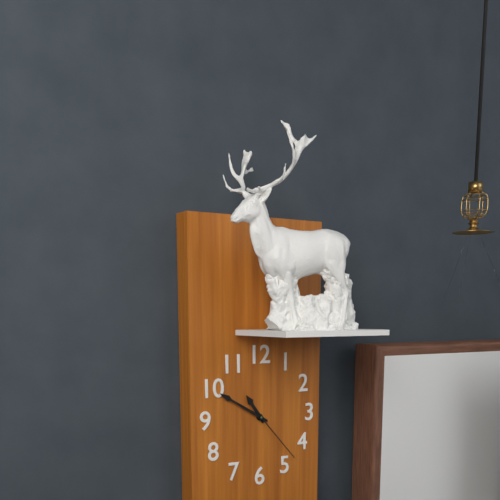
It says 10:50:23
